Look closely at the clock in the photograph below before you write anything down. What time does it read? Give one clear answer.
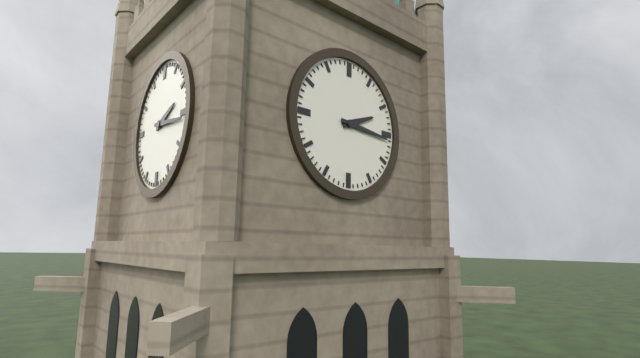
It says 2:16
